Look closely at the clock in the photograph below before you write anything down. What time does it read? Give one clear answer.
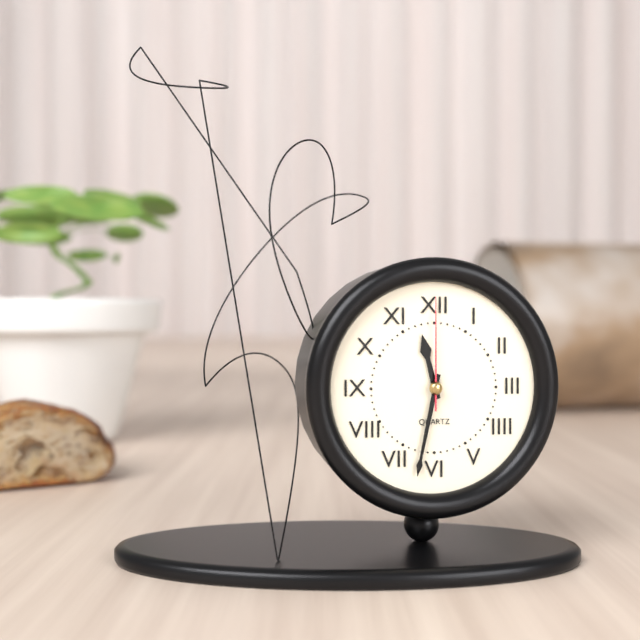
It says 11:32:00
